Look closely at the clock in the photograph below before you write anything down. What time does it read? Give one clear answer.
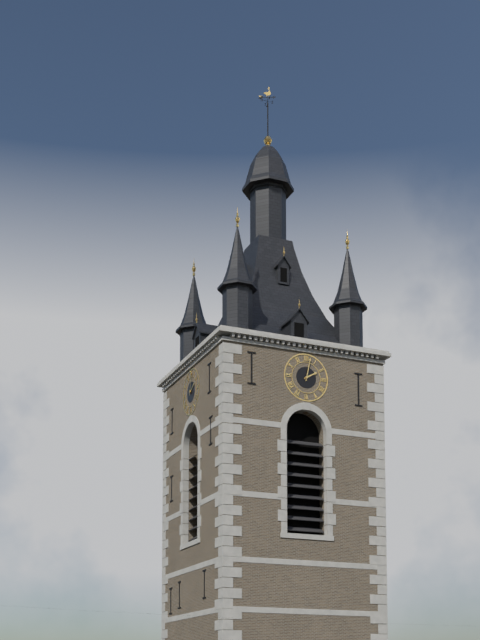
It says 2:02
